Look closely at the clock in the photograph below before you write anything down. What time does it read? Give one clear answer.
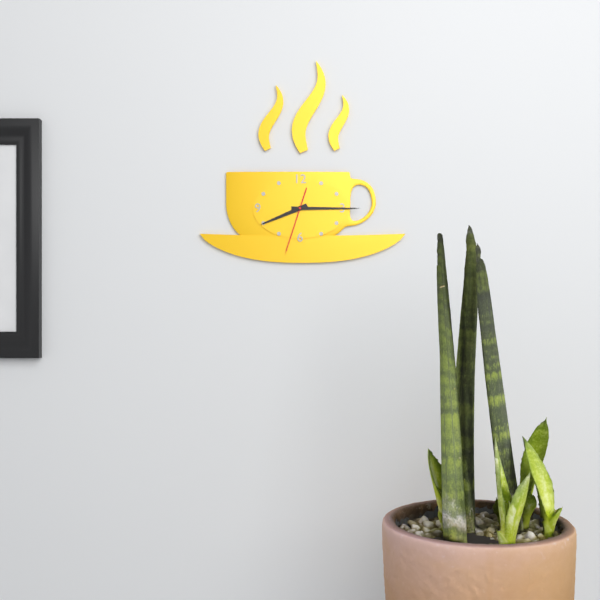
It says 8:15:33
